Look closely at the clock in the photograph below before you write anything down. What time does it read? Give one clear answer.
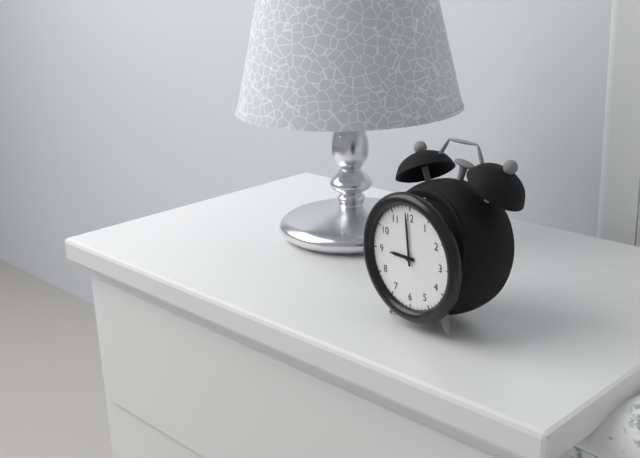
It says 8:59
